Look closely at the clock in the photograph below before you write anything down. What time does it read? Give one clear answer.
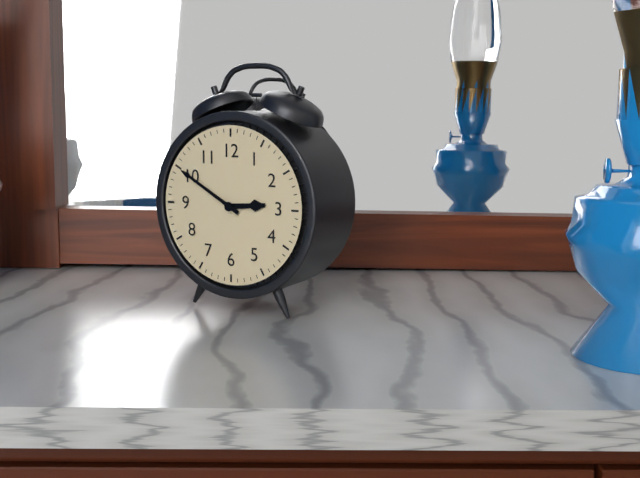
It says 2:50
